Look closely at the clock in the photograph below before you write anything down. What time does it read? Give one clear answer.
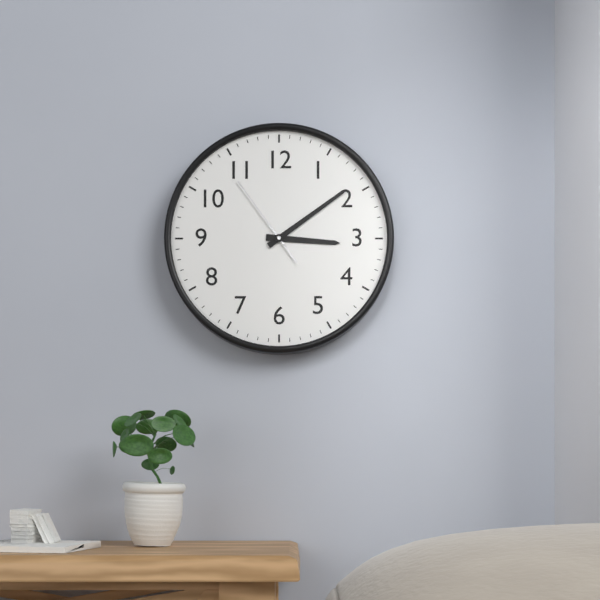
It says 3:09:54
